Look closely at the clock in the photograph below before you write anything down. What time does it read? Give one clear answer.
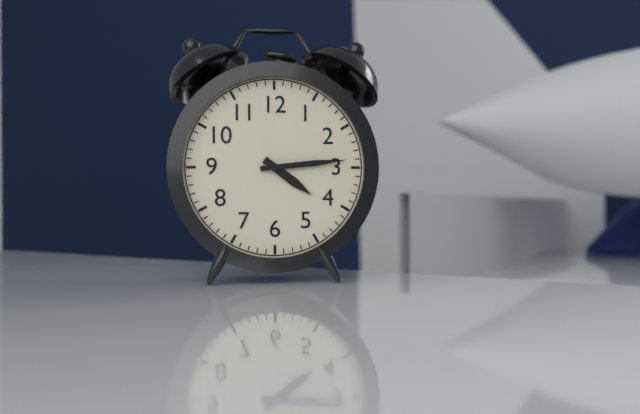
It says 4:14
